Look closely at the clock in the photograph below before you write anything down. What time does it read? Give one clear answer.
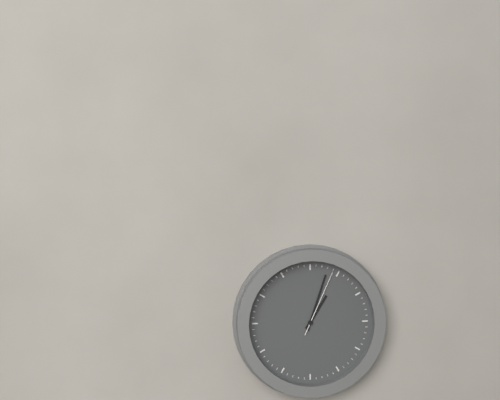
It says 1:03:04
